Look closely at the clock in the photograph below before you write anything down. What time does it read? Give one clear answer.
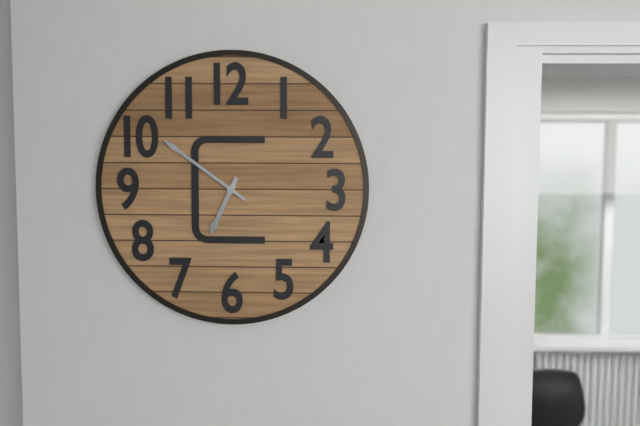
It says 6:51
